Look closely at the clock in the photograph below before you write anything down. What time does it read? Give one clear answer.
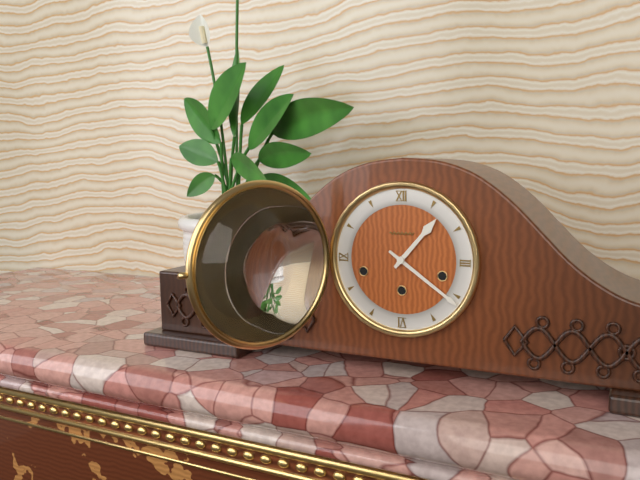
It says 1:21
